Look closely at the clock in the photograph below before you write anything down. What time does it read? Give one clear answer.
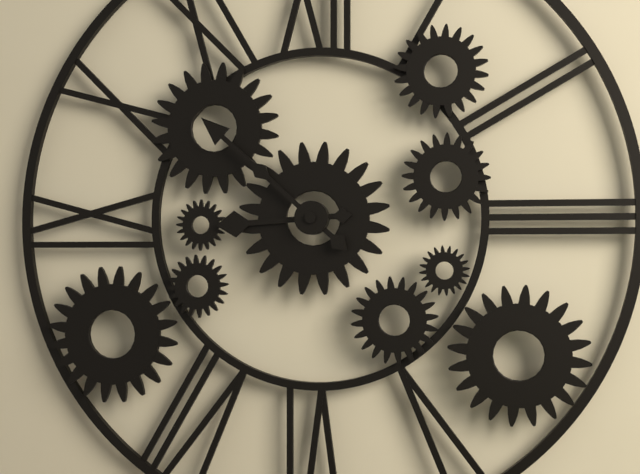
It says 8:52
